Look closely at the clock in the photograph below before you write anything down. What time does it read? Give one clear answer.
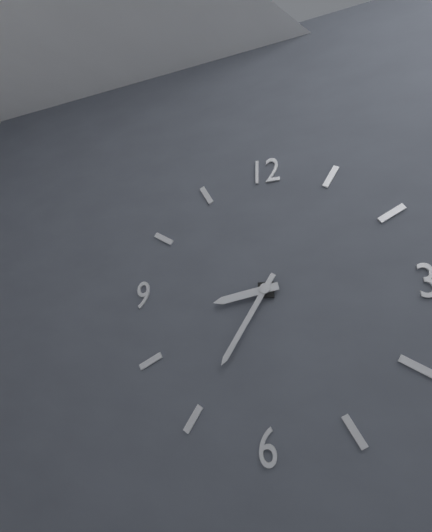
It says 8:35
